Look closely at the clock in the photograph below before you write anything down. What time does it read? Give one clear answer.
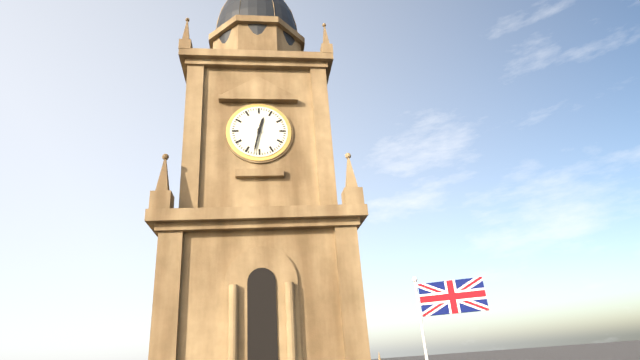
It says 12:32
